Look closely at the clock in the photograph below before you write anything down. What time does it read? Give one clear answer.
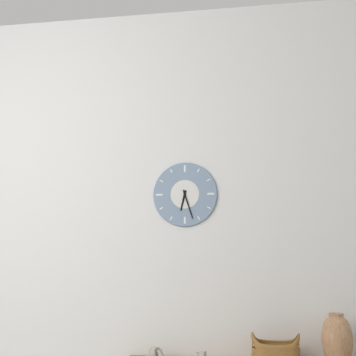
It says 6:27
